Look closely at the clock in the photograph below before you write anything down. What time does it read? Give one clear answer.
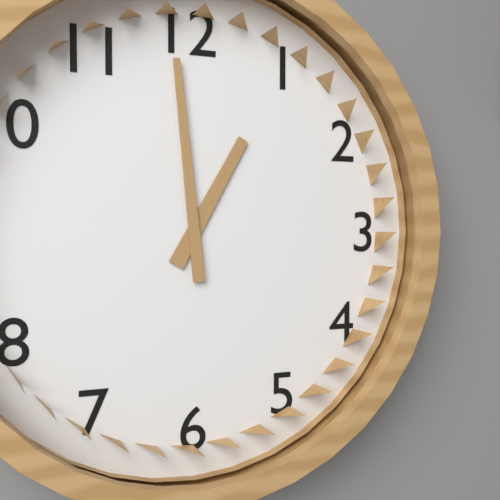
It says 12:59
